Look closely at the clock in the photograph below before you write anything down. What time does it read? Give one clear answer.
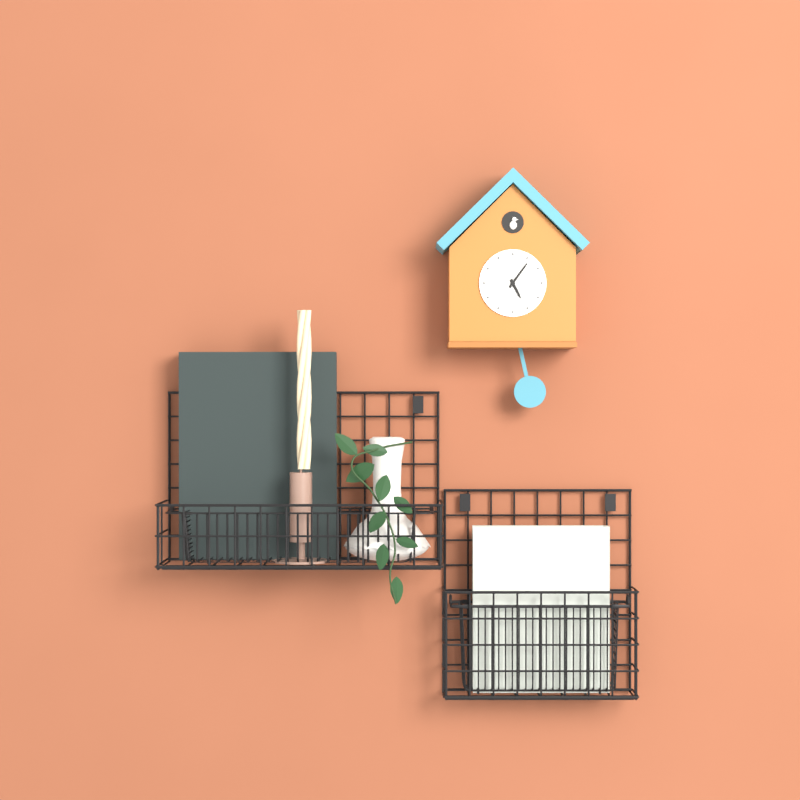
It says 5:06
